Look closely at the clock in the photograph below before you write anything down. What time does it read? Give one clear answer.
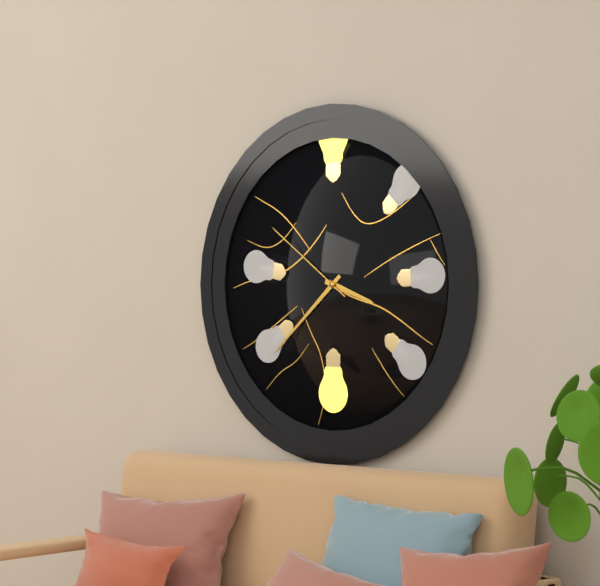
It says 3:38:51
